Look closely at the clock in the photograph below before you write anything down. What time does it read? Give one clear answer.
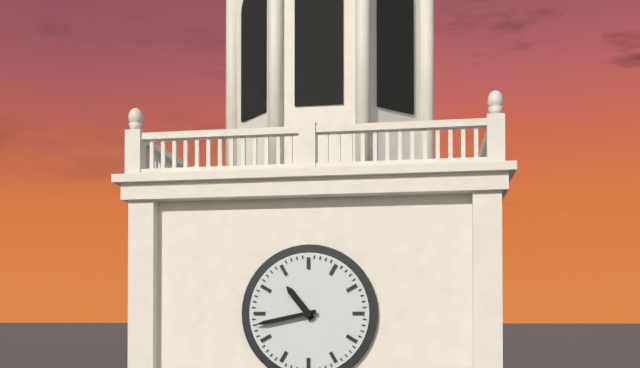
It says 10:43
